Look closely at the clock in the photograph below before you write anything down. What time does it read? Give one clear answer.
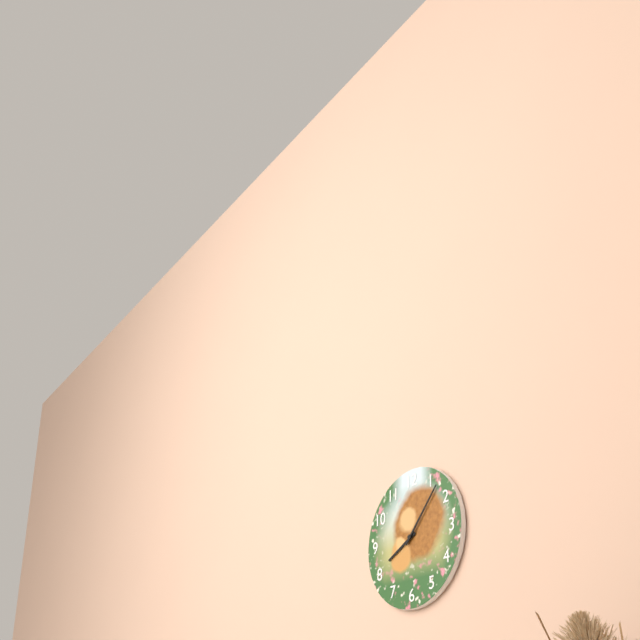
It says 8:07
